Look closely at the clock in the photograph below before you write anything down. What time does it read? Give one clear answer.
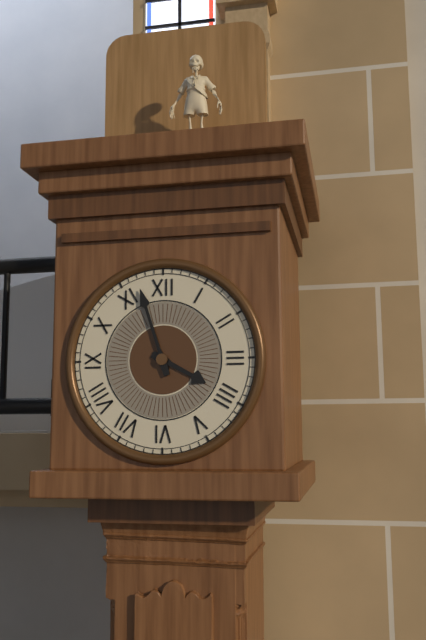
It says 3:57
